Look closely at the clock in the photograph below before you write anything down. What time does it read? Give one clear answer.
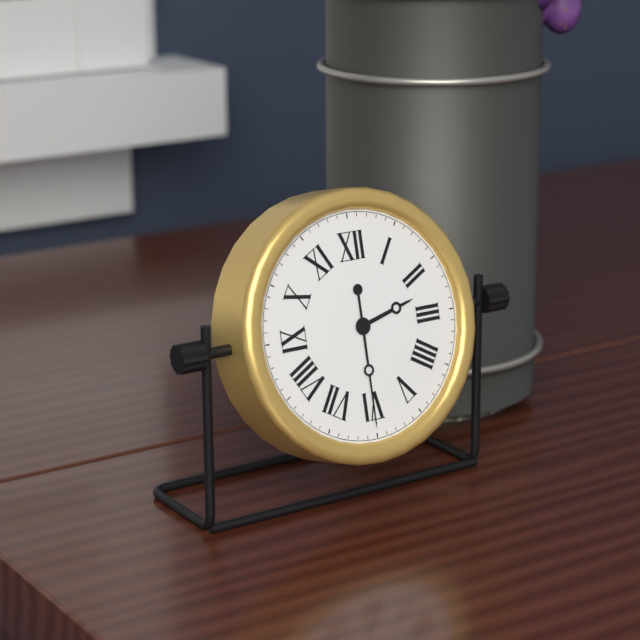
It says 2:30
